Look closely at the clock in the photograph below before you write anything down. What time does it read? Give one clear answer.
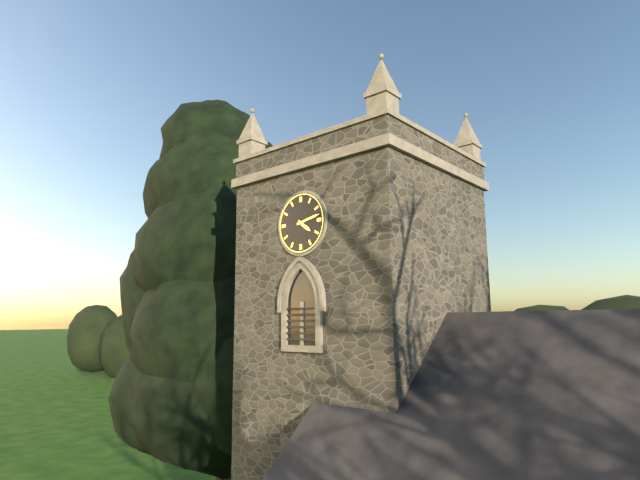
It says 4:13
